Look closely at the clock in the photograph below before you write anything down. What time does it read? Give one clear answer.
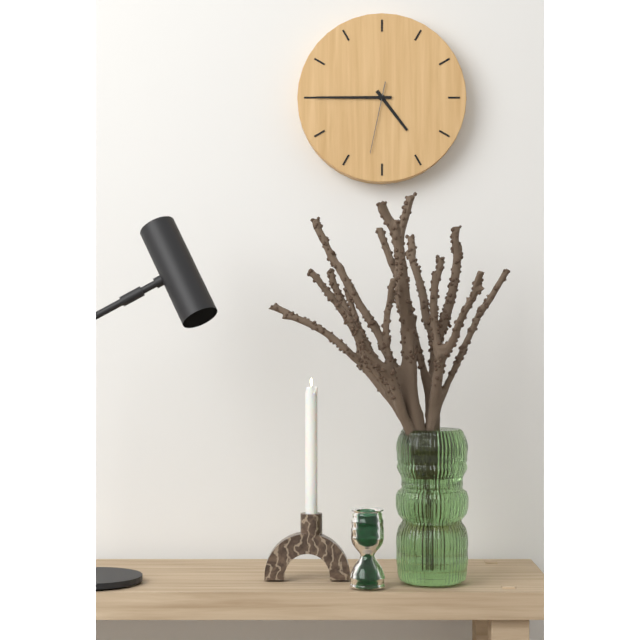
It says 4:45:32
